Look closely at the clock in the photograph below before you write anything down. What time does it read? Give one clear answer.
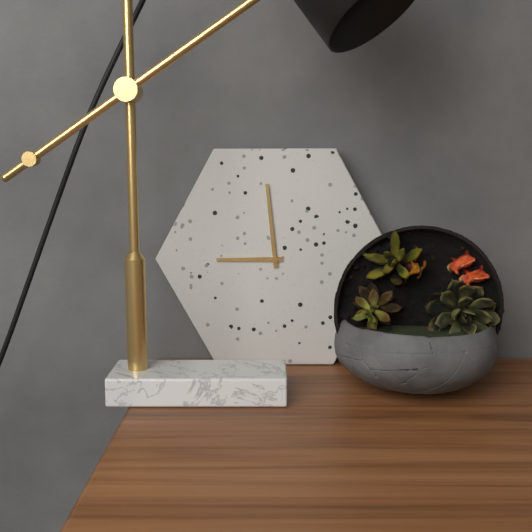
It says 8:59
